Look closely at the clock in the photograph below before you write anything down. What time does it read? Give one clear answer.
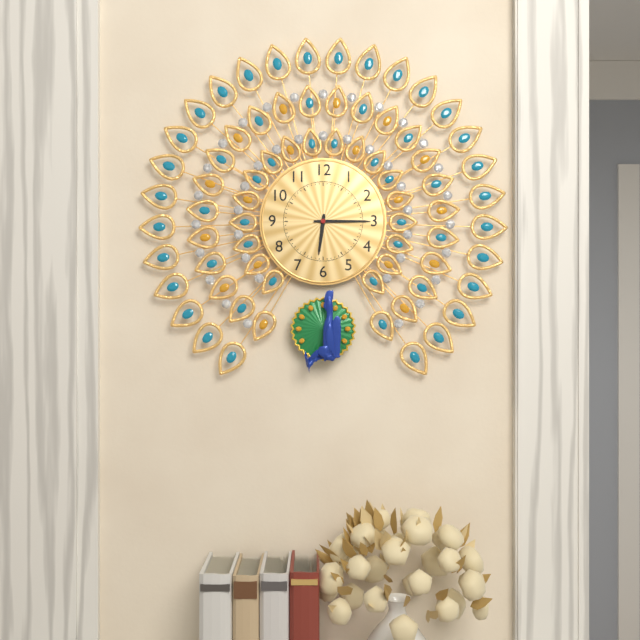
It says 6:15
